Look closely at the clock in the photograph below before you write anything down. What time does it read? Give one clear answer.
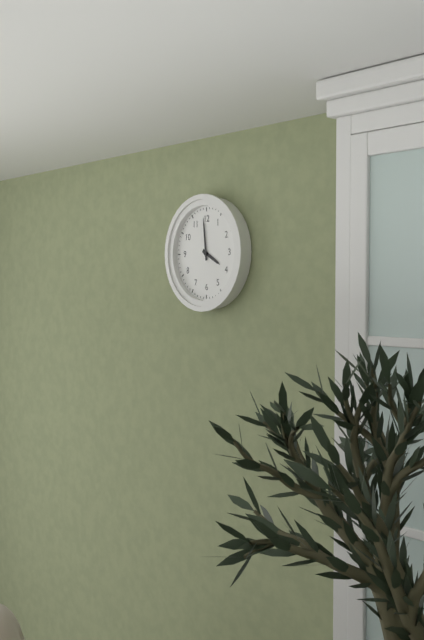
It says 3:59
